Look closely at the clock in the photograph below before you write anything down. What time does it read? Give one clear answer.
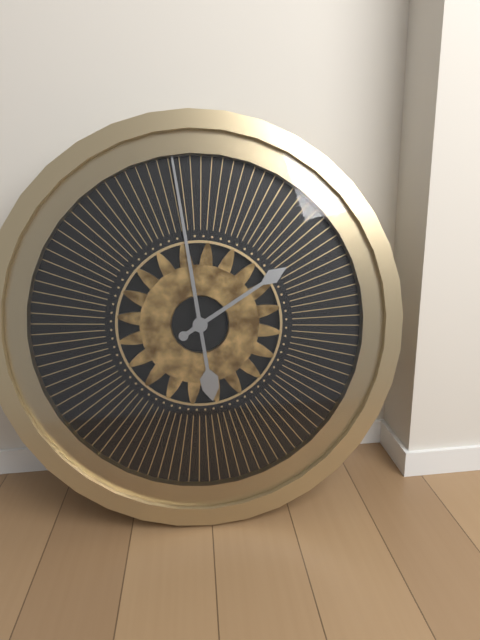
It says 1:59
